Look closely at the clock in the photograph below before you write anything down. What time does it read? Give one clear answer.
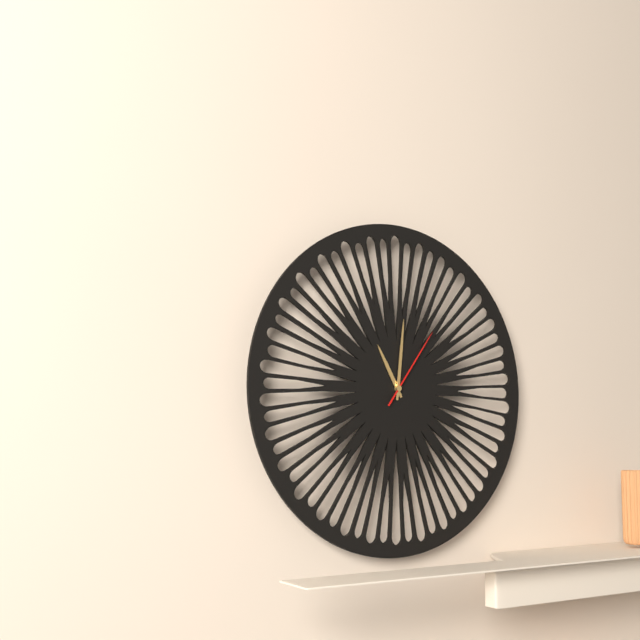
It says 11:01:06
